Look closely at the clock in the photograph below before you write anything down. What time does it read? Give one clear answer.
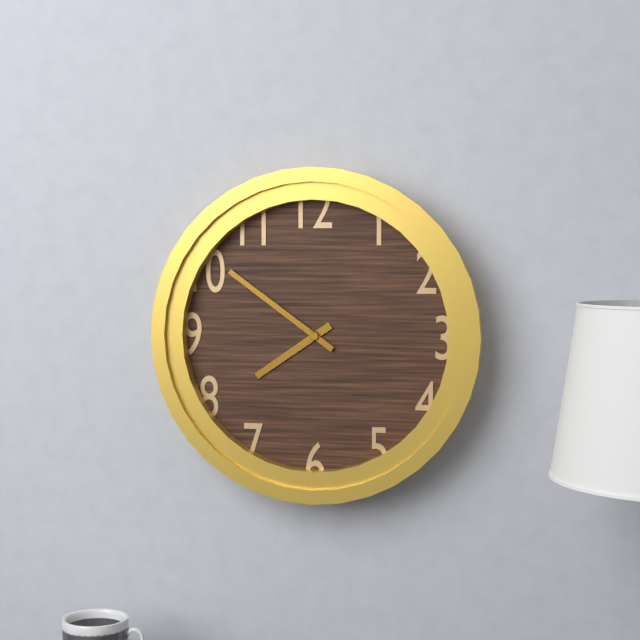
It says 7:51
